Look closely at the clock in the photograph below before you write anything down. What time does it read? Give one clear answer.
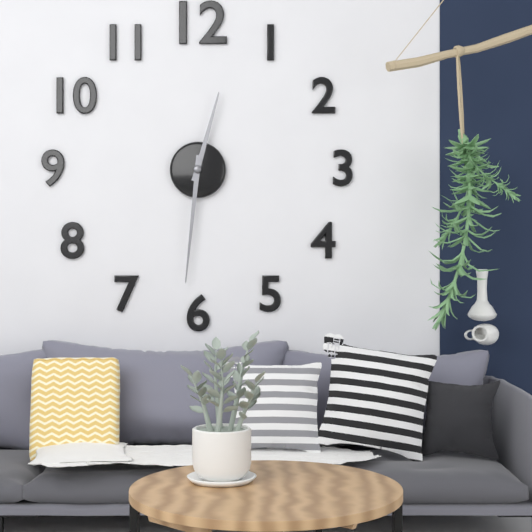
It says 12:31
